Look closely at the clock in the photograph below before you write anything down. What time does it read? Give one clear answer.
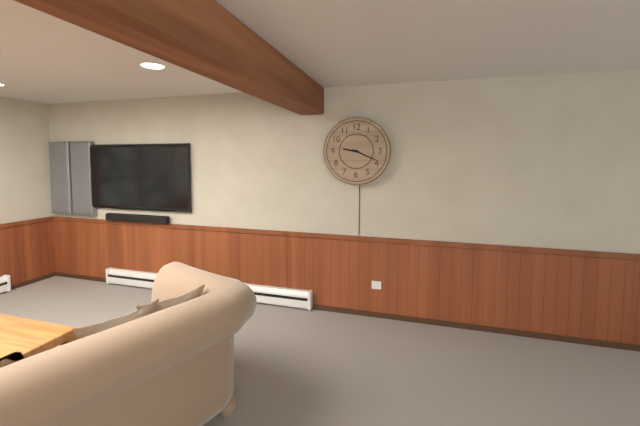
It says 9:19
